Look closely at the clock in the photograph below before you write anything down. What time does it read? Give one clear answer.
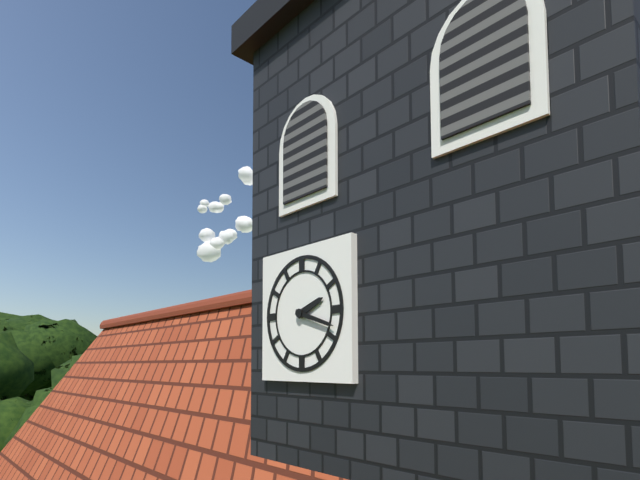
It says 2:18
